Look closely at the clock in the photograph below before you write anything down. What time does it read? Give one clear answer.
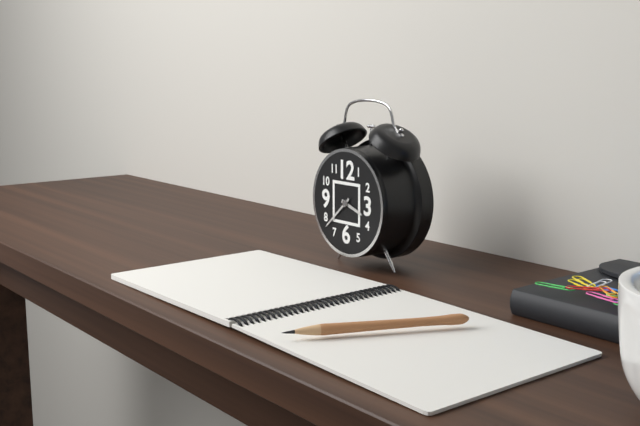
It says 3:38
